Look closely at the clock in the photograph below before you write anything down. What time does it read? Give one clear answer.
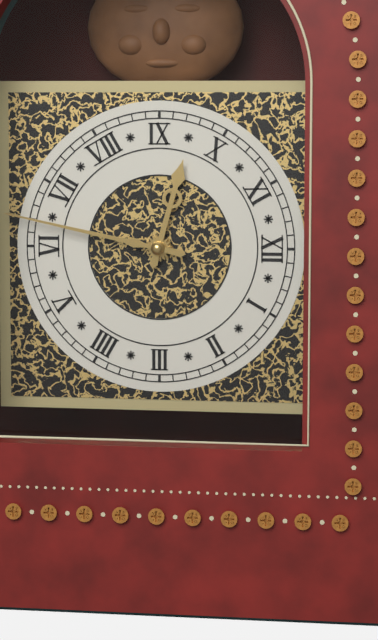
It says 9:32
